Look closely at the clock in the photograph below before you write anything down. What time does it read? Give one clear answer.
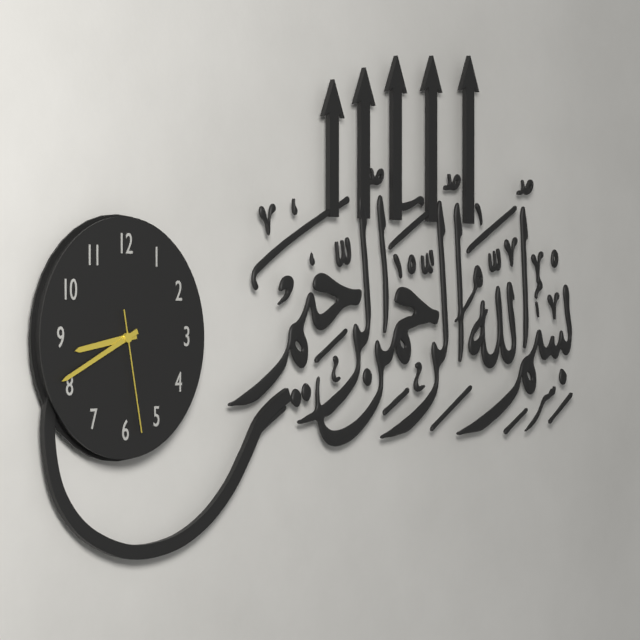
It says 8:41:28
